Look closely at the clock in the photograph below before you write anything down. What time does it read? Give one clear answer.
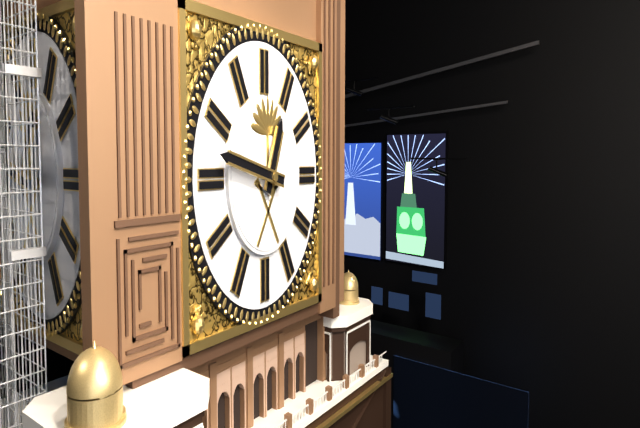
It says 12:47
